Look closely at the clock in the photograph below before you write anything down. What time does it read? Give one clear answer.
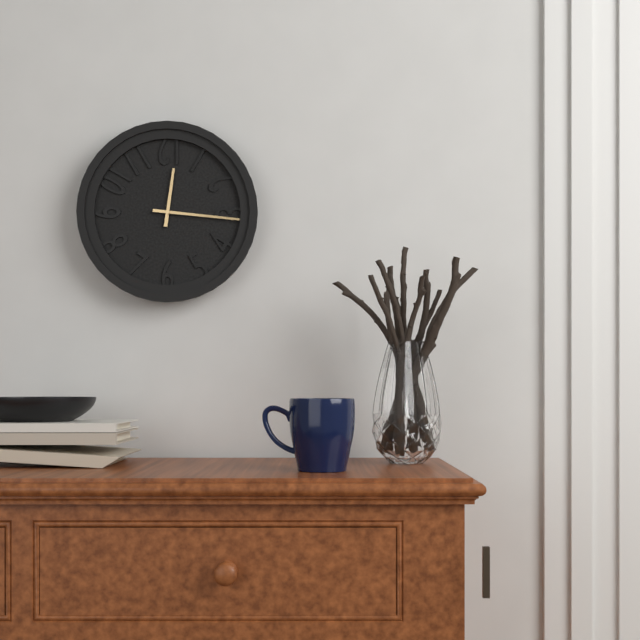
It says 12:16
